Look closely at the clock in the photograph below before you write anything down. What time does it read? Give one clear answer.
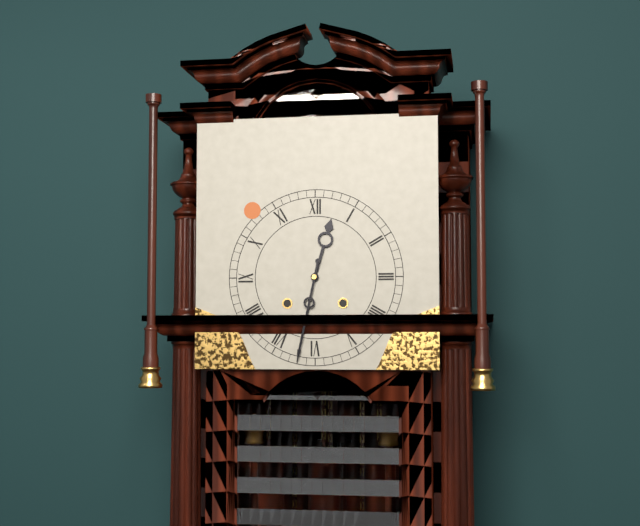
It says 12:32
